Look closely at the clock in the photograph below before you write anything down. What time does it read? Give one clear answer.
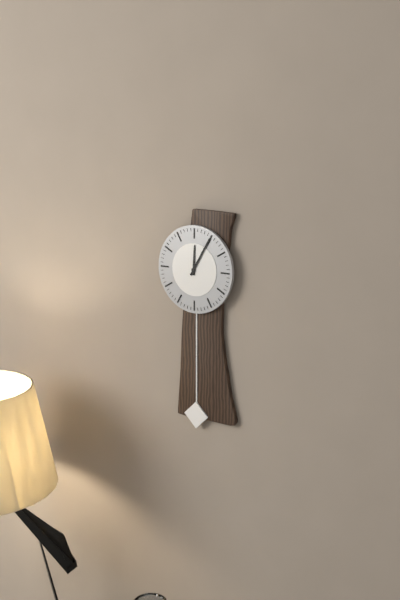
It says 12:05
